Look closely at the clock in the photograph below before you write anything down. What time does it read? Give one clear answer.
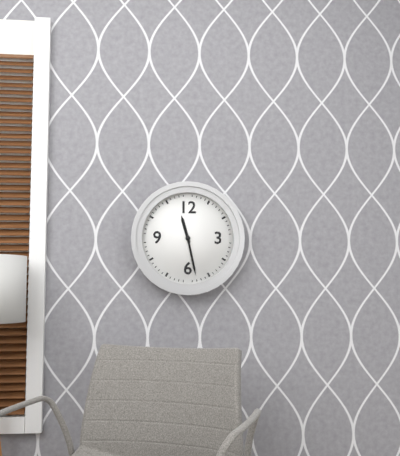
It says 11:28
